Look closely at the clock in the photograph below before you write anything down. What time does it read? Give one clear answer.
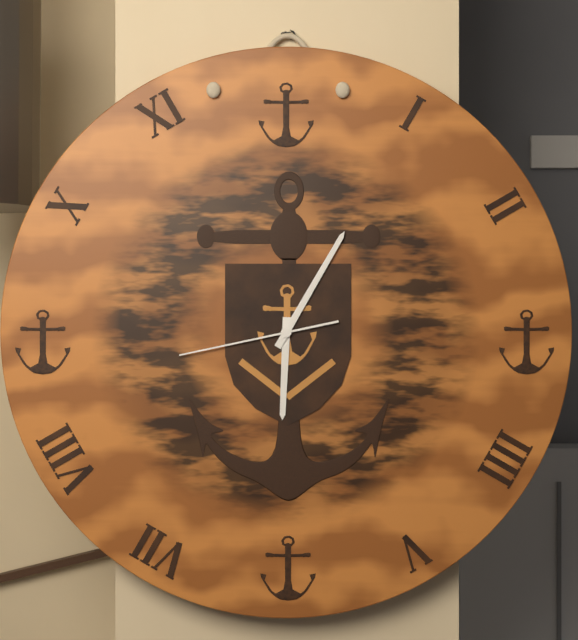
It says 6:05:43
